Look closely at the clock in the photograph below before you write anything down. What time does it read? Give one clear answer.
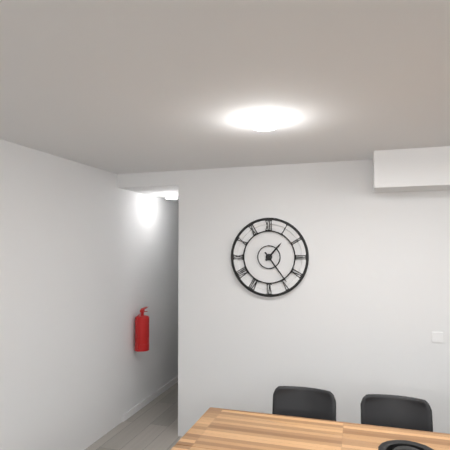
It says 1:24
